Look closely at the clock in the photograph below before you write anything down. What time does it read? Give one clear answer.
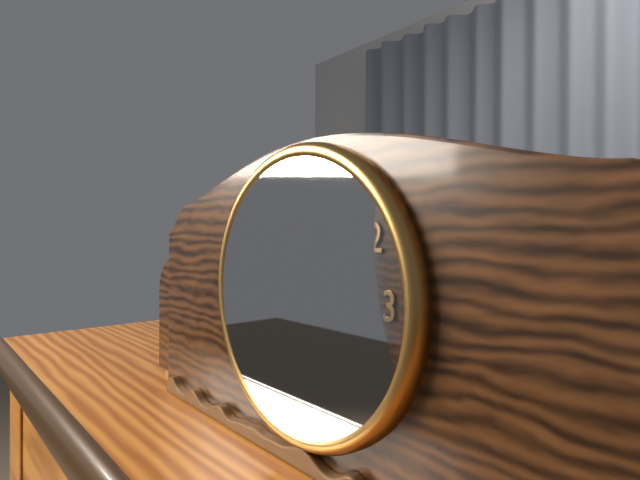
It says 4:23
